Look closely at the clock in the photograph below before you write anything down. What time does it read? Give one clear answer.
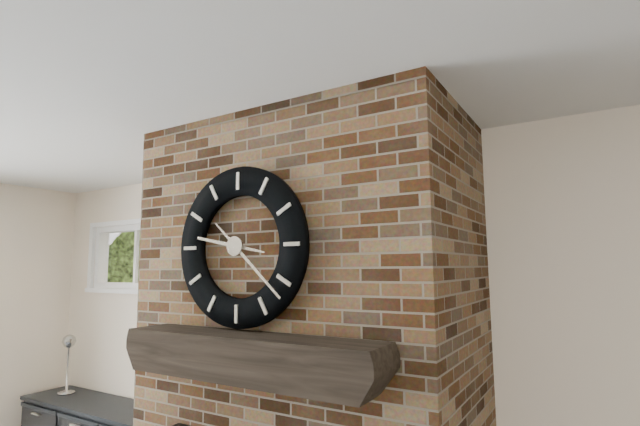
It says 9:22
